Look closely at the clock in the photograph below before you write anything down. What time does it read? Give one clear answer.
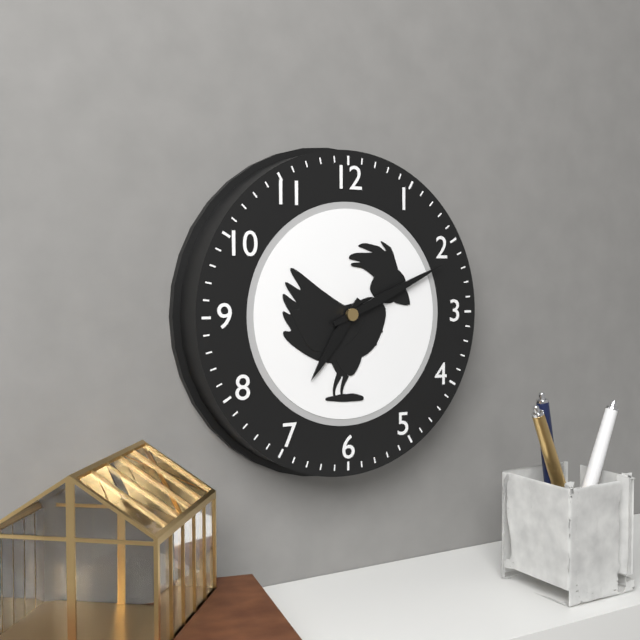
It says 7:11
